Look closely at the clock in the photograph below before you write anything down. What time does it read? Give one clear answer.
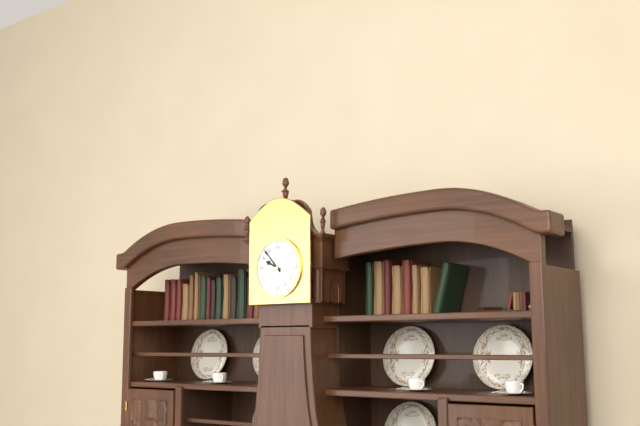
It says 9:53
